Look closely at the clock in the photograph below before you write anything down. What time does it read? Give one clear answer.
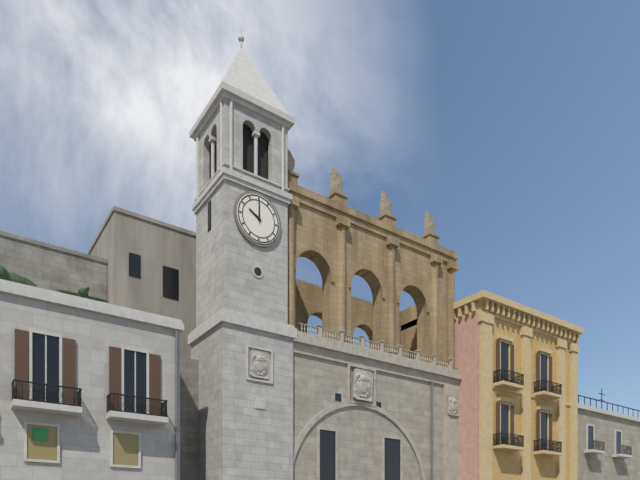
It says 10:00
